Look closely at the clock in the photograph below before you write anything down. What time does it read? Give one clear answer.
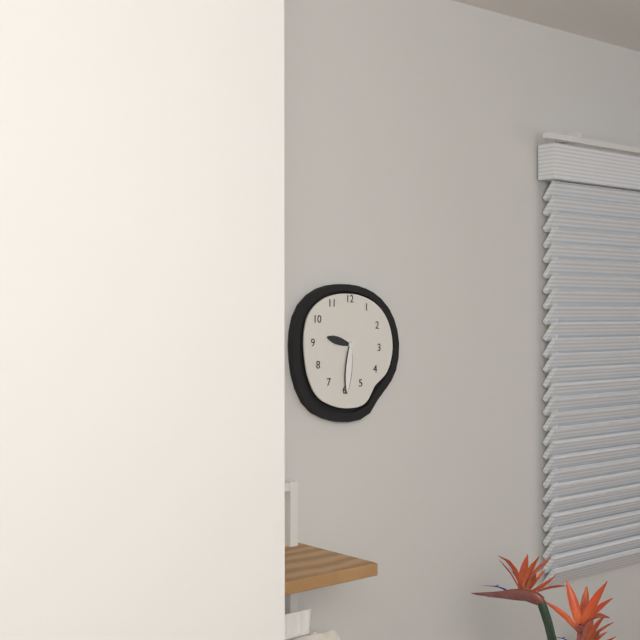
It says 9:31
